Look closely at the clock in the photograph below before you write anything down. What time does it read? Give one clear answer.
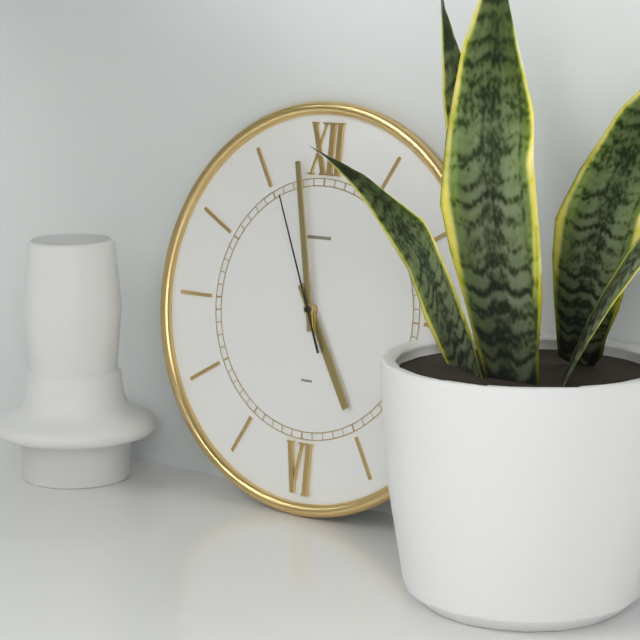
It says 4:58:56
